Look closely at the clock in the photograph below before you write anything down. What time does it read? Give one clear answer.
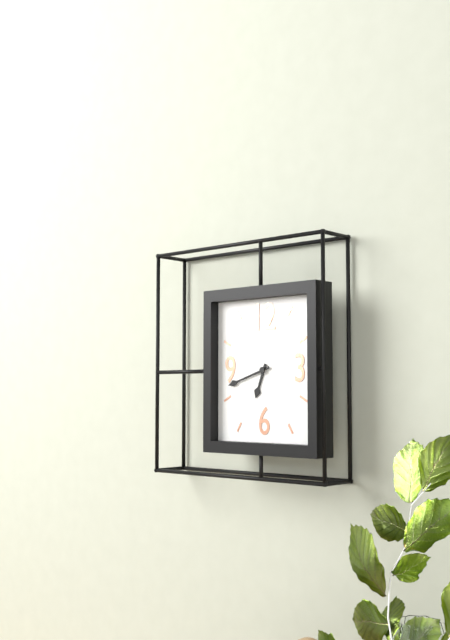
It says 6:42
